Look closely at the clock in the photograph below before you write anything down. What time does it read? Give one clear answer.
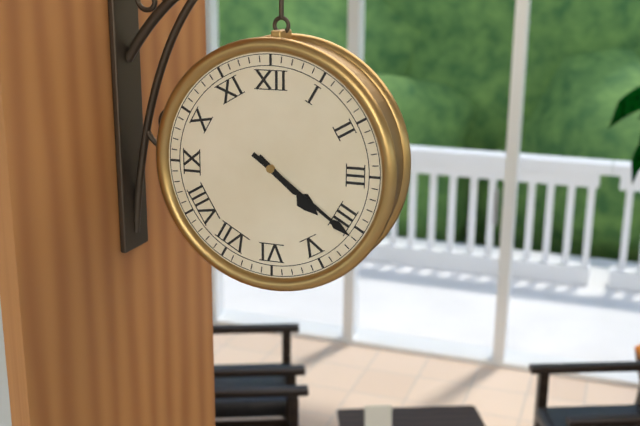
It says 4:21
